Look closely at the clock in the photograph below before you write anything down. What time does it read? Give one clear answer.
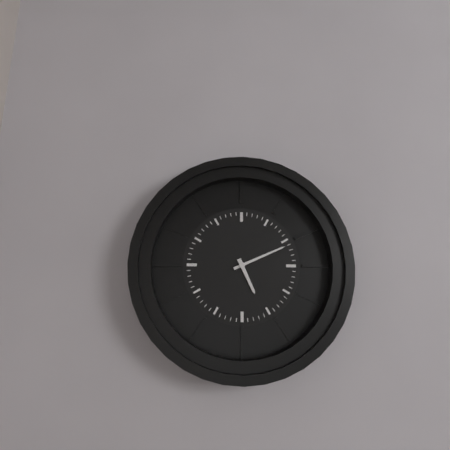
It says 5:11
